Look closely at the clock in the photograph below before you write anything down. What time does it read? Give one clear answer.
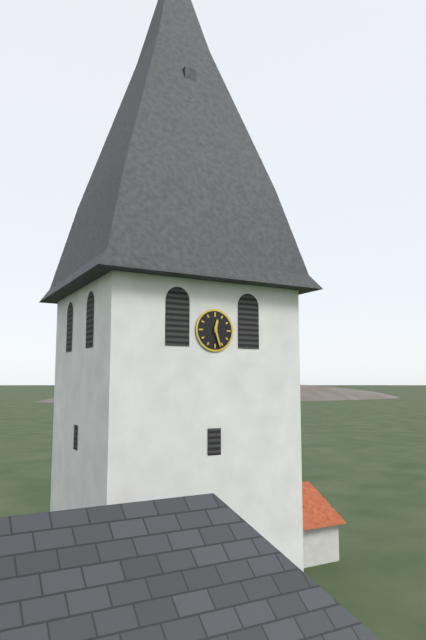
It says 12:27
